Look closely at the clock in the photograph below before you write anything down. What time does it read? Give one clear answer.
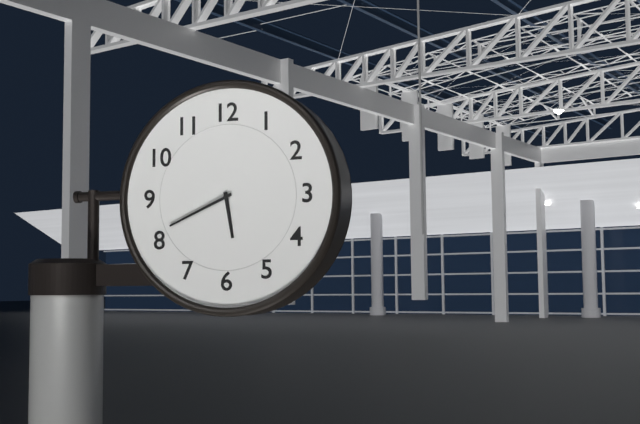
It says 5:41
